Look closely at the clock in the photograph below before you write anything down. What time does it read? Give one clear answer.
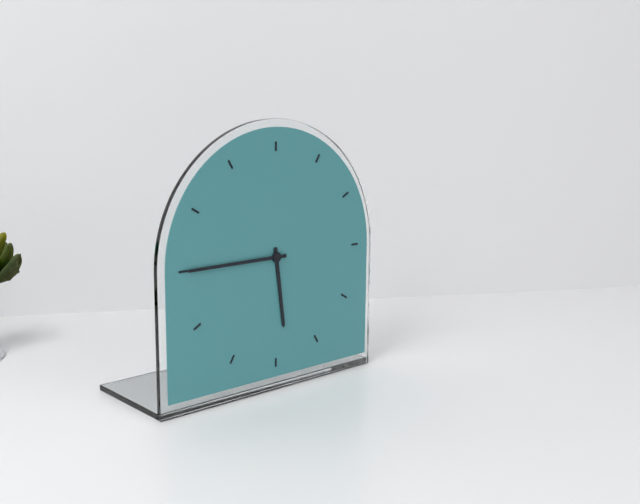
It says 5:45
